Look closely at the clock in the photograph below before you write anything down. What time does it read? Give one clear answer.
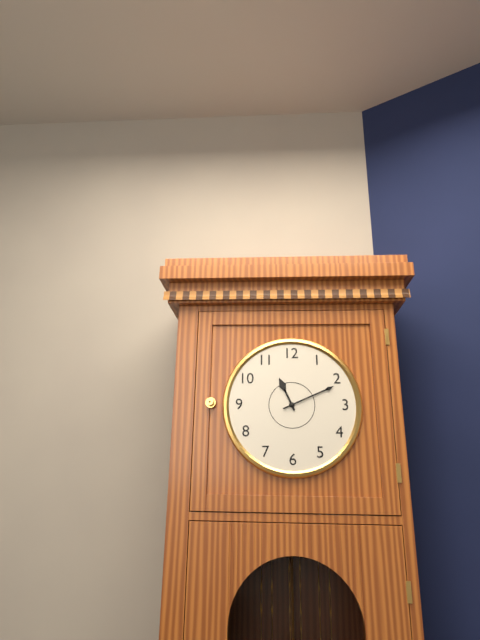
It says 11:11
